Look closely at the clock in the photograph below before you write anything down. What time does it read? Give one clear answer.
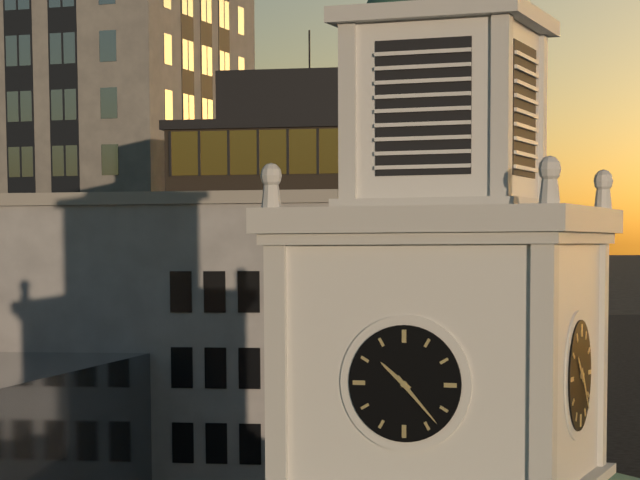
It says 10:23
